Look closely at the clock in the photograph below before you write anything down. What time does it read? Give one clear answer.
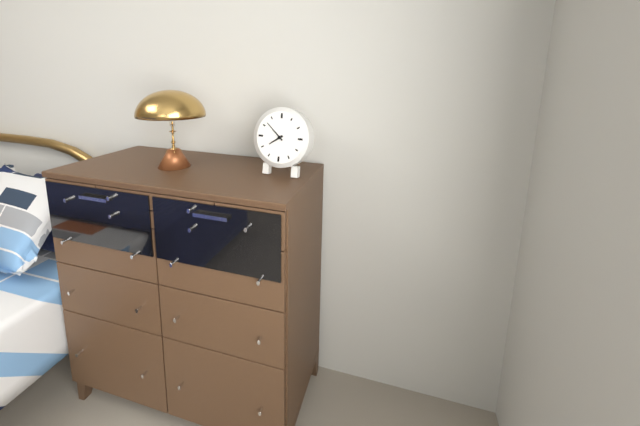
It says 7:52
